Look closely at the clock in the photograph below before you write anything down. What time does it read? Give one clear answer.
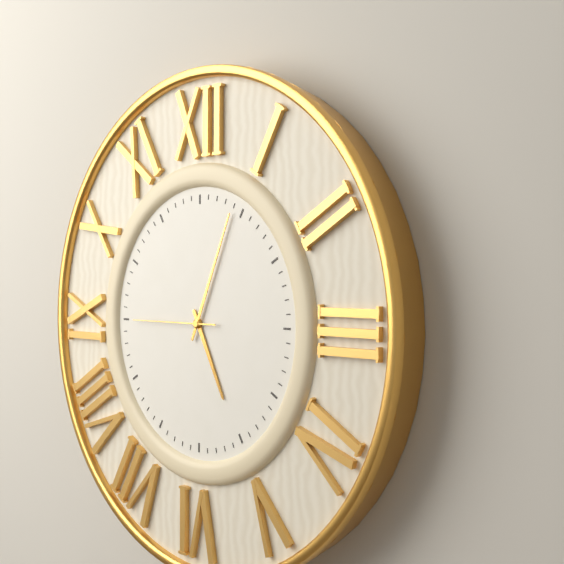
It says 5:04:45
